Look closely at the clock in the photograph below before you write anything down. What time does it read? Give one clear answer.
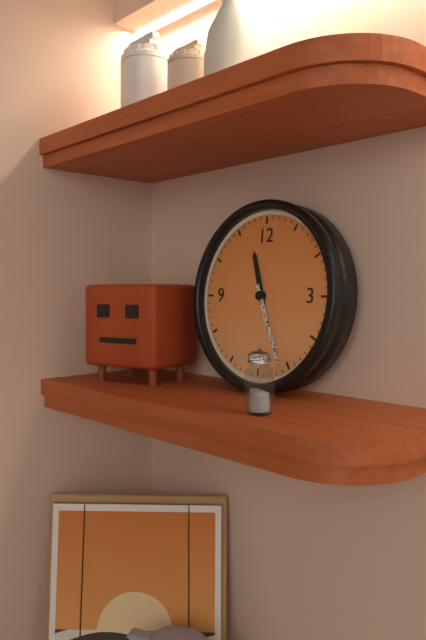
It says 11:26
